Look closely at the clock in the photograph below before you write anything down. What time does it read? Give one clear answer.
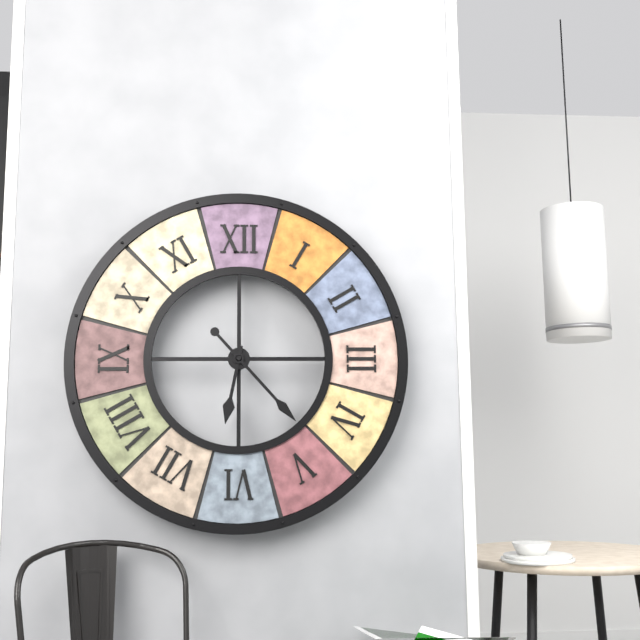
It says 6:23
